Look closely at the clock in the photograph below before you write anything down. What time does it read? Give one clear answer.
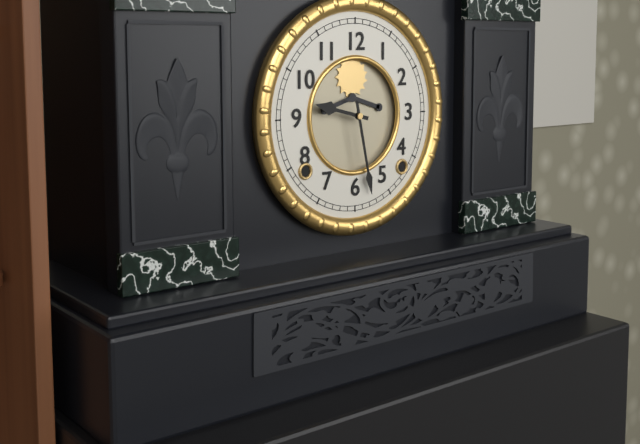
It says 9:28
